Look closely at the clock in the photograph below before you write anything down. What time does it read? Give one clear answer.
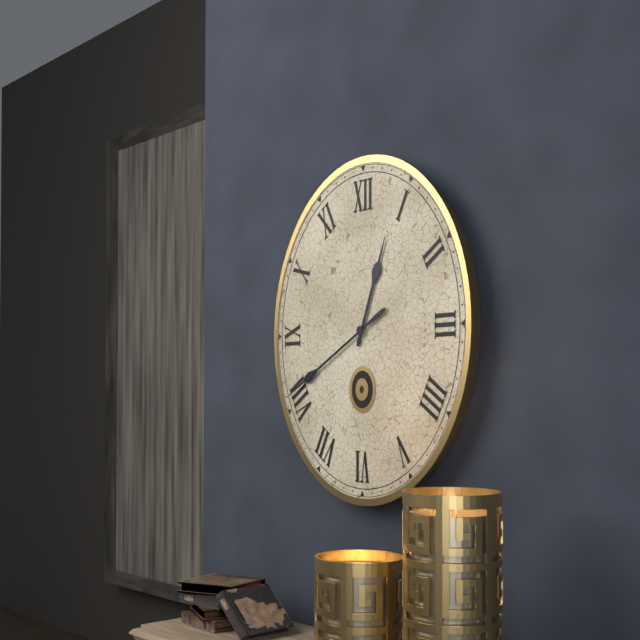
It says 12:40
